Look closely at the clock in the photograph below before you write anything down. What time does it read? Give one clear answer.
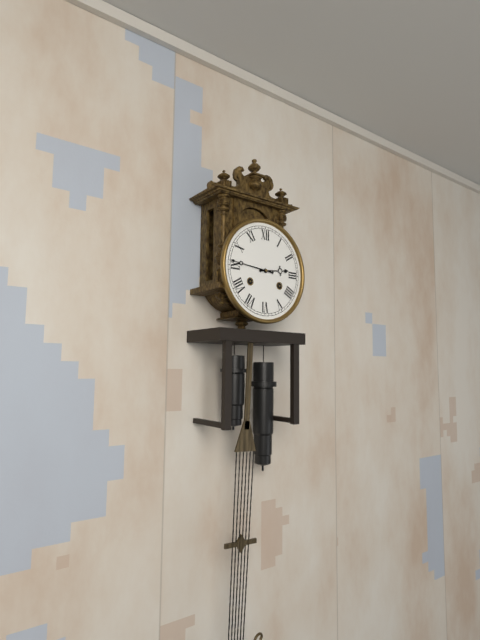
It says 2:46
